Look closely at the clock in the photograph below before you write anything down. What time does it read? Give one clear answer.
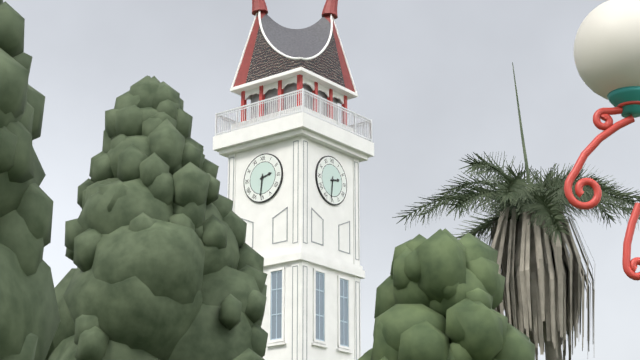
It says 2:31
